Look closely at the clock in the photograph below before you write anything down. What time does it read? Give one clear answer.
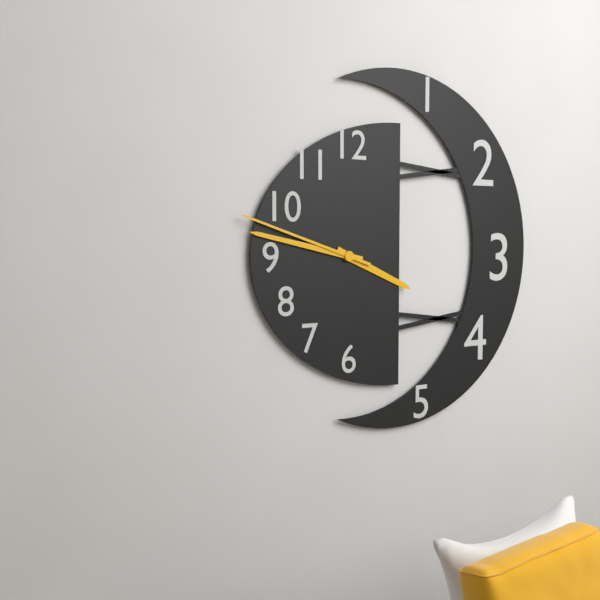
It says 3:47:48
